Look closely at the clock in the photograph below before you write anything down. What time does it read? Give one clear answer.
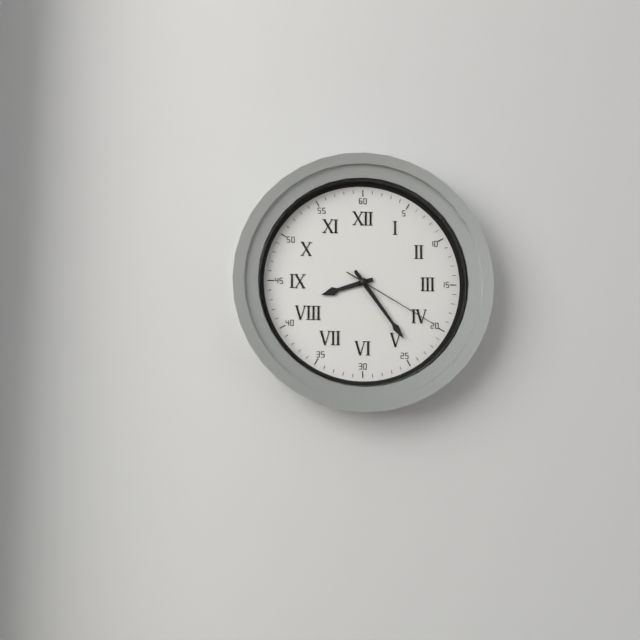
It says 8:24:20
